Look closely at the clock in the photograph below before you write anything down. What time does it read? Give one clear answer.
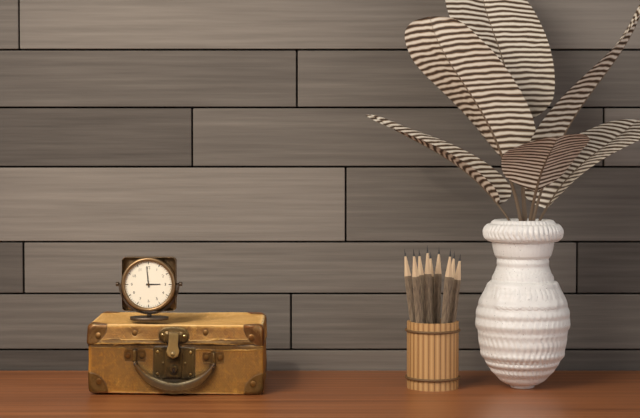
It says 2:59
